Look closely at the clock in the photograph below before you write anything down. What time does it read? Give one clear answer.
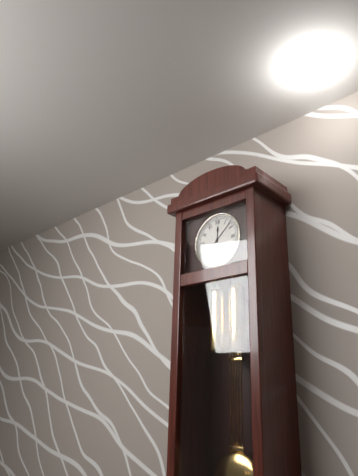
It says 12:08
